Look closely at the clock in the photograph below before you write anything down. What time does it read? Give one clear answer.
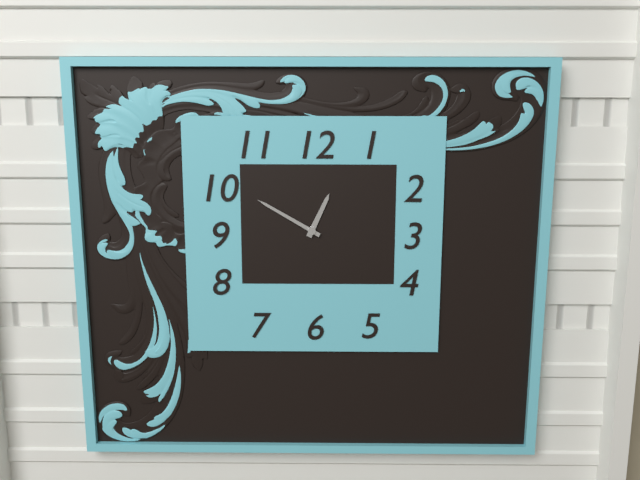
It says 12:50
